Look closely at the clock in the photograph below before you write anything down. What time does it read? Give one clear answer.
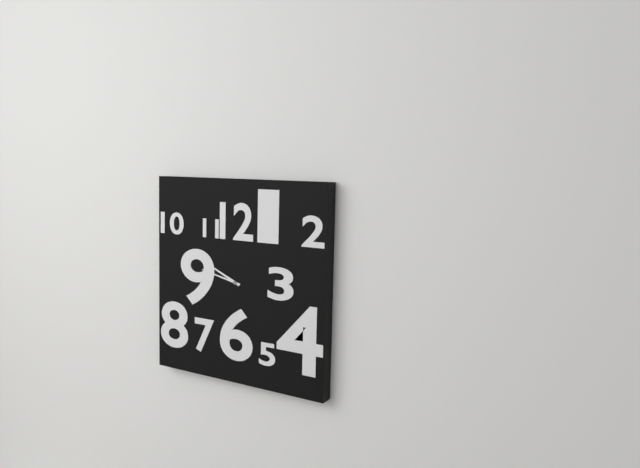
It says 9:47
